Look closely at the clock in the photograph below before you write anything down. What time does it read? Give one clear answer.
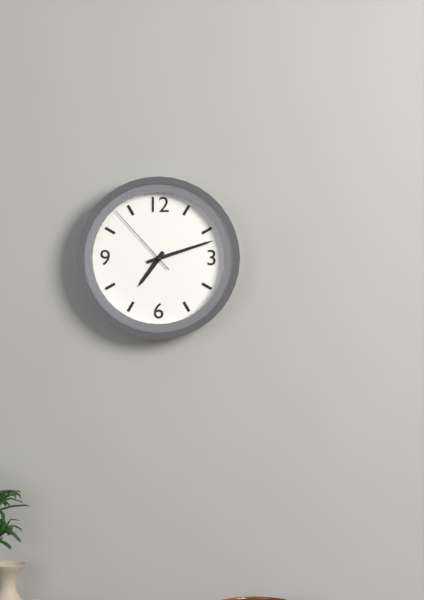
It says 7:12:53
